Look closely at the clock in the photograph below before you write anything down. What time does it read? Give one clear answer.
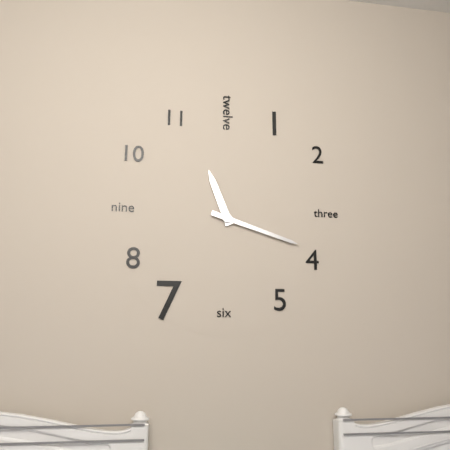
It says 11:18
